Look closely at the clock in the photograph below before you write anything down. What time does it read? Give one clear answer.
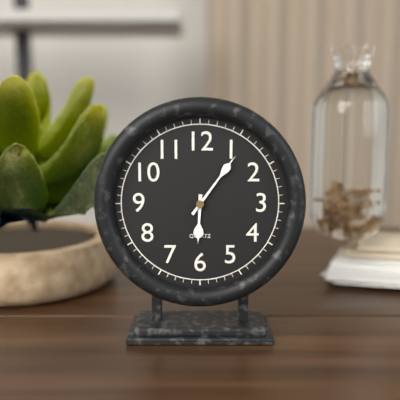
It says 6:06
